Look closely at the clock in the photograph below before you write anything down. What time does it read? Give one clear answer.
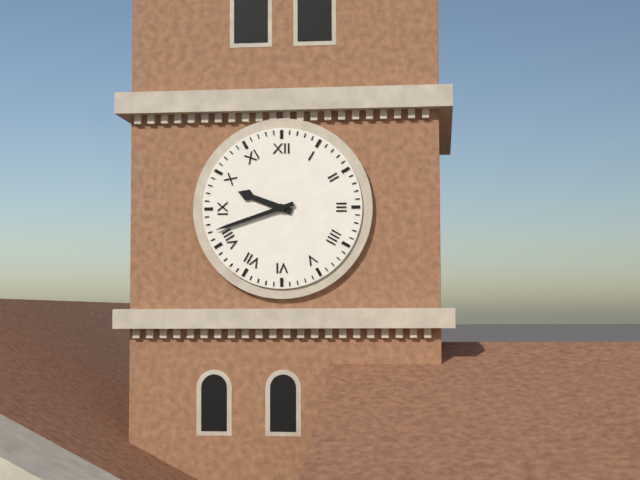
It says 9:42
